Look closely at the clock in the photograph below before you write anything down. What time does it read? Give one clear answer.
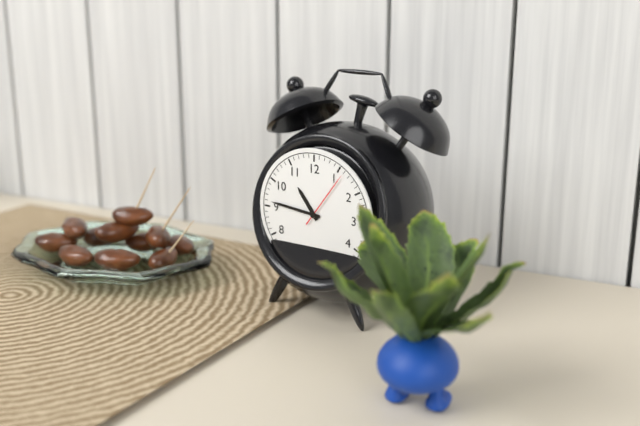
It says 10:46:06
